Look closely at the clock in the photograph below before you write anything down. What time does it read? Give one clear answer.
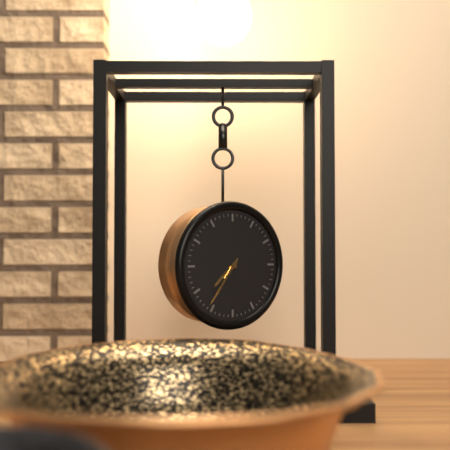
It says 7:36
